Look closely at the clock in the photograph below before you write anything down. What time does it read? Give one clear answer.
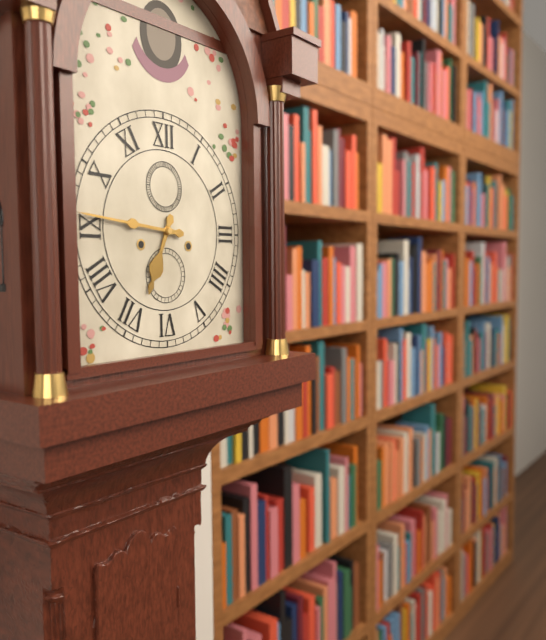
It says 6:46
